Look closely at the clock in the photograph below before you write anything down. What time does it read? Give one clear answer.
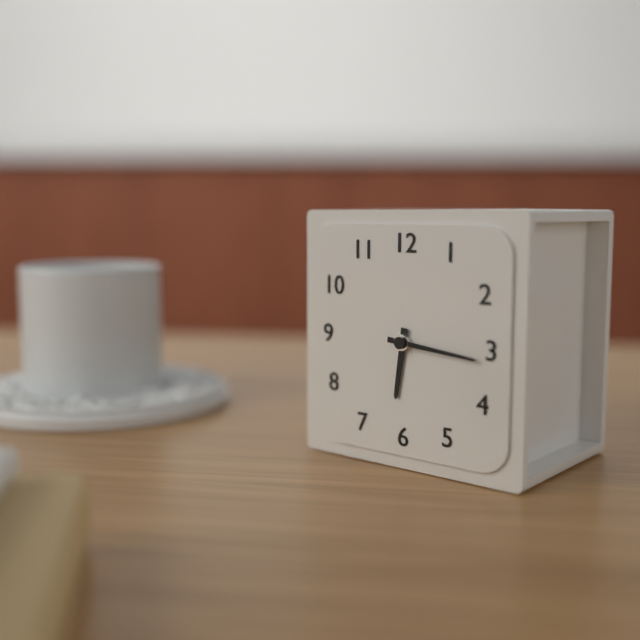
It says 6:16
